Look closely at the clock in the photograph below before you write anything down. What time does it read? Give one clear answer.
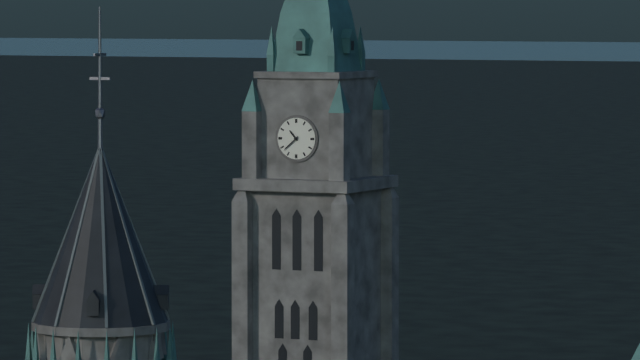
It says 10:38
